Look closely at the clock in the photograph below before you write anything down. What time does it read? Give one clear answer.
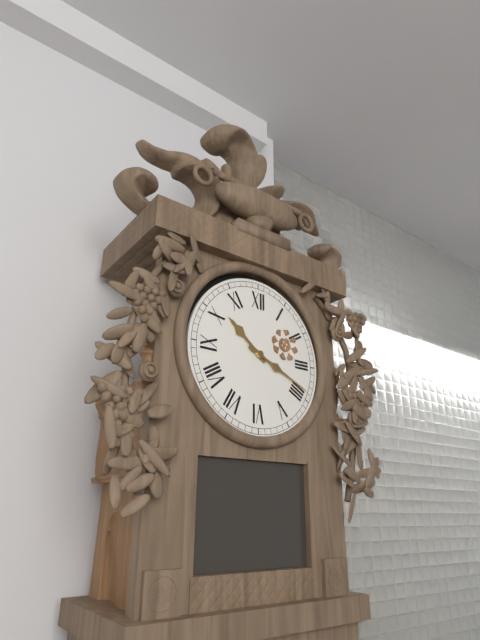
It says 10:19
